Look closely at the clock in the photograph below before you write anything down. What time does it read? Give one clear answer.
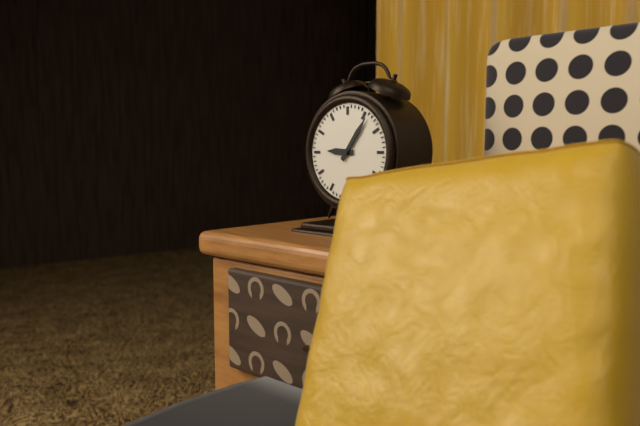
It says 9:06
